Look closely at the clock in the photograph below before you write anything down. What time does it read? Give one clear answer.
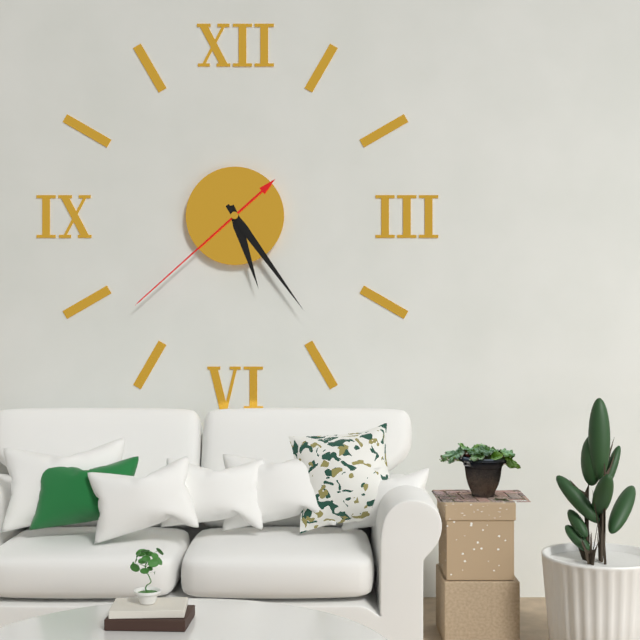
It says 5:24:38
